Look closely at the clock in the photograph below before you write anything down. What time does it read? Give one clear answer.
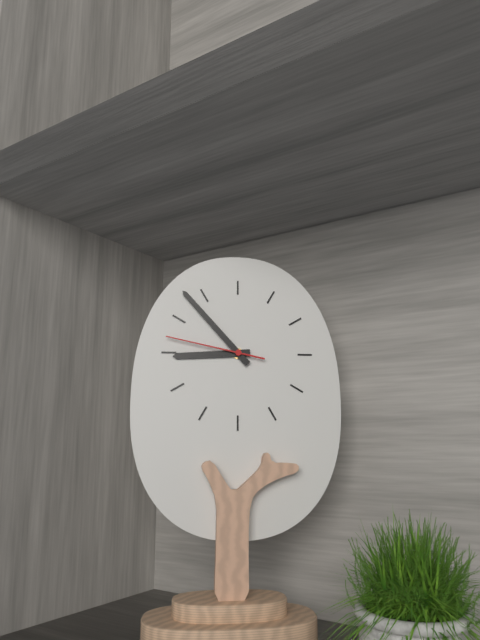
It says 8:53:47
